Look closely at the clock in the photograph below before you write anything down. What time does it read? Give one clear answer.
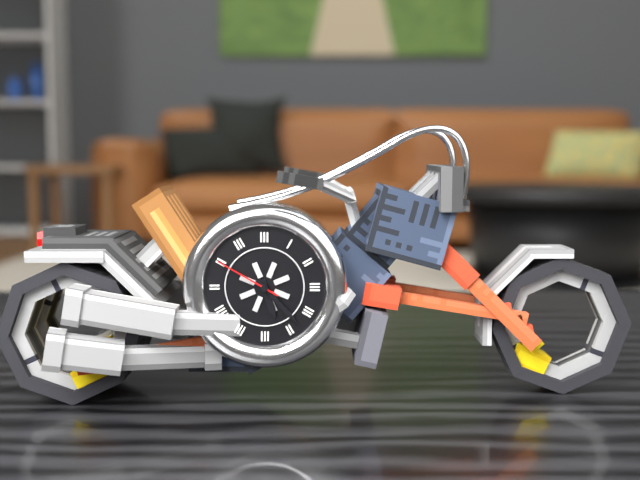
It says 5:23:50
